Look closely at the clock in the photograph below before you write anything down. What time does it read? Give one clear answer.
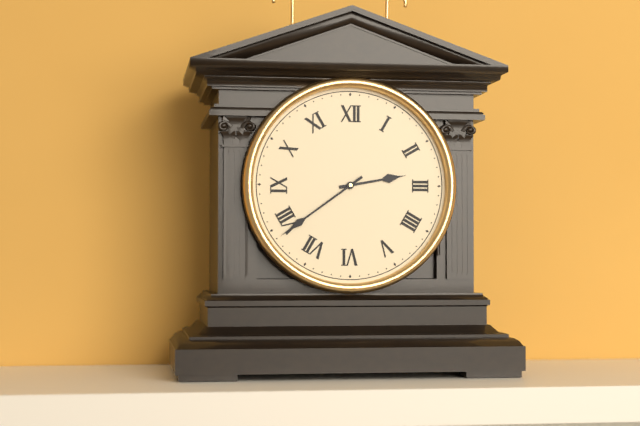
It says 2:39
